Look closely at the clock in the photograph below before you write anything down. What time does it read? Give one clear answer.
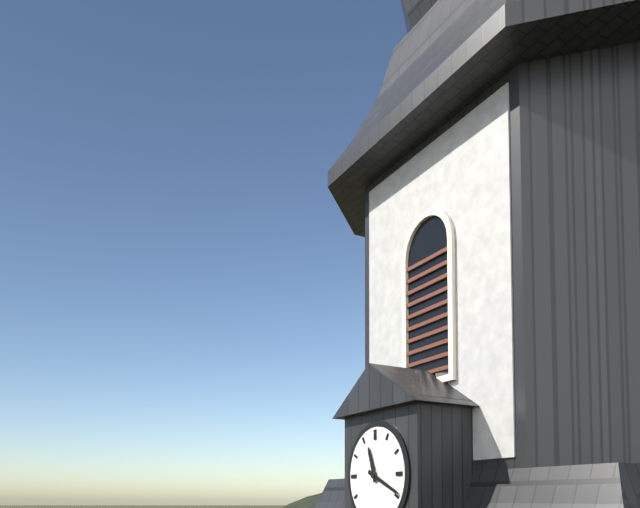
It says 11:19
